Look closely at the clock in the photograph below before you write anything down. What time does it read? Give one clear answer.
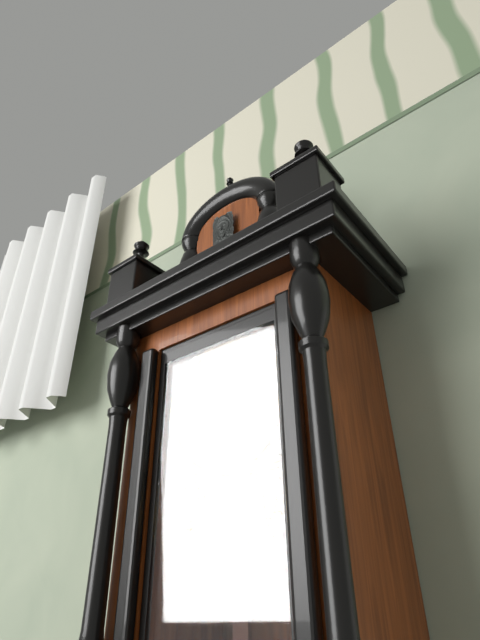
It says 11:29
